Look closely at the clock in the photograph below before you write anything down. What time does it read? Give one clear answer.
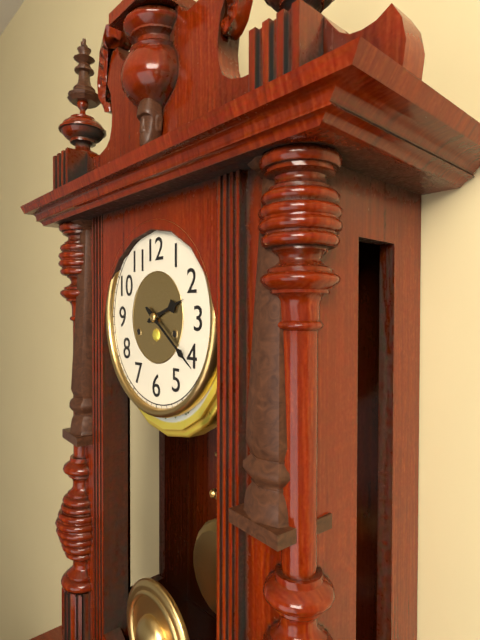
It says 2:21
